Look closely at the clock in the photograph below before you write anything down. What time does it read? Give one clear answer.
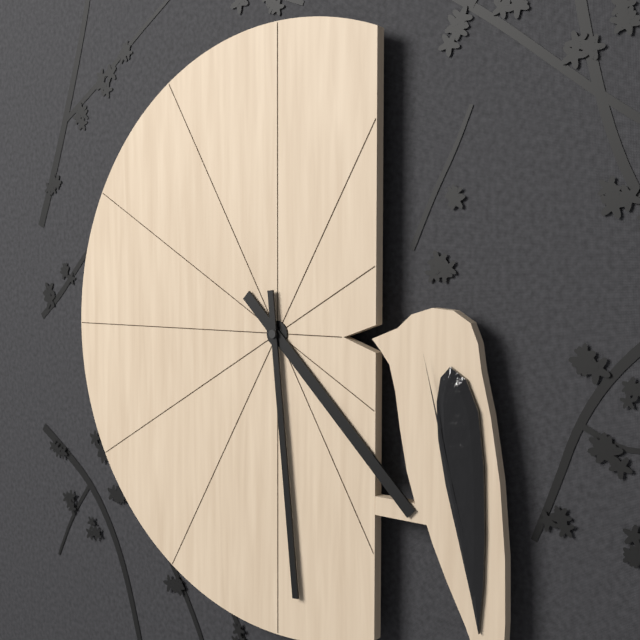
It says 4:29
